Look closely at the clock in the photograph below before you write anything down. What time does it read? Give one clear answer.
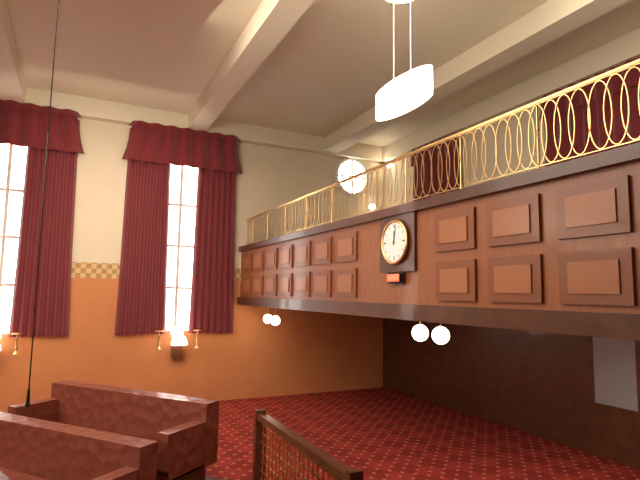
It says 12:02
